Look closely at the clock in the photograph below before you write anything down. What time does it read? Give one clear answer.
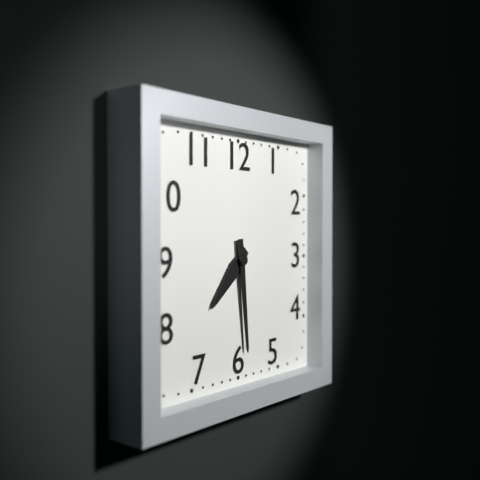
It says 7:29
